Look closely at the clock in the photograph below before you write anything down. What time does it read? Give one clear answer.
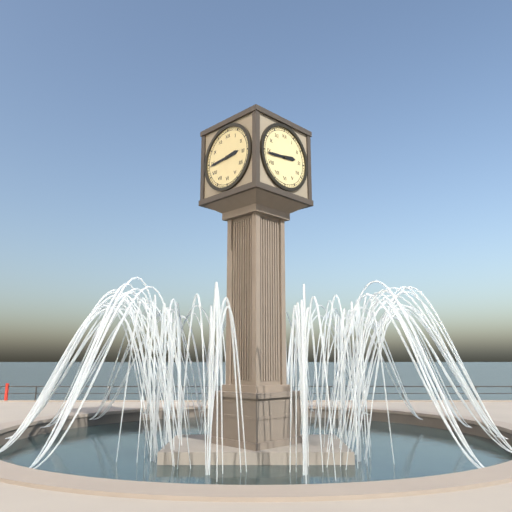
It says 2:44
